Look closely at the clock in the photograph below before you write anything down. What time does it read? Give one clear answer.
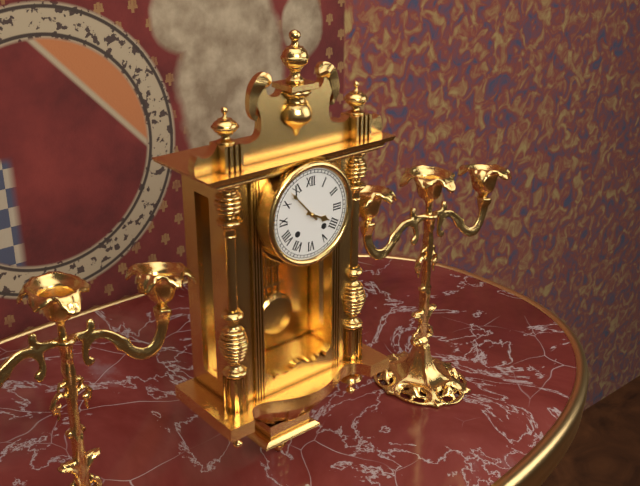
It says 3:53
